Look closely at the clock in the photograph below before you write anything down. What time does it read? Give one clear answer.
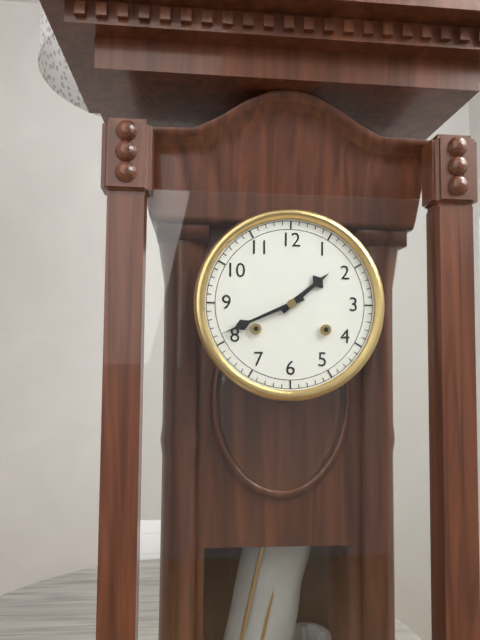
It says 1:41
